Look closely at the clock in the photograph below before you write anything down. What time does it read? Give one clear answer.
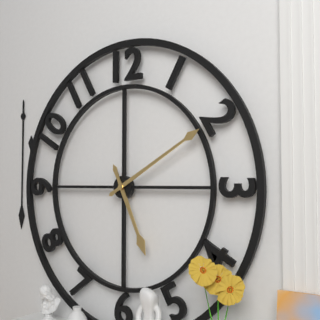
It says 5:10
